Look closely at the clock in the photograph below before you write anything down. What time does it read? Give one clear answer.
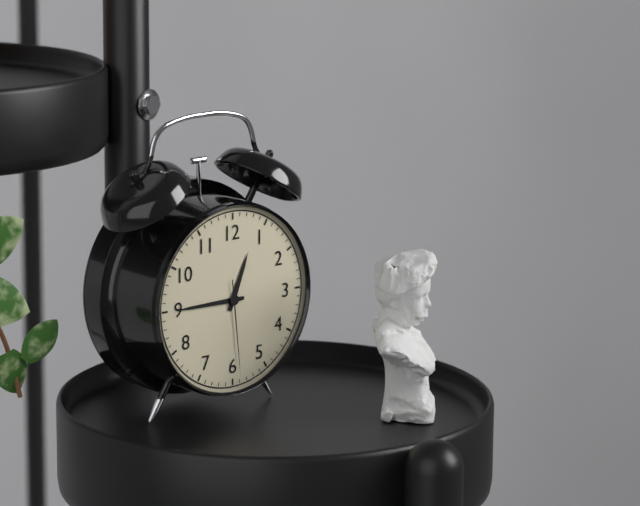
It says 12:45:29
